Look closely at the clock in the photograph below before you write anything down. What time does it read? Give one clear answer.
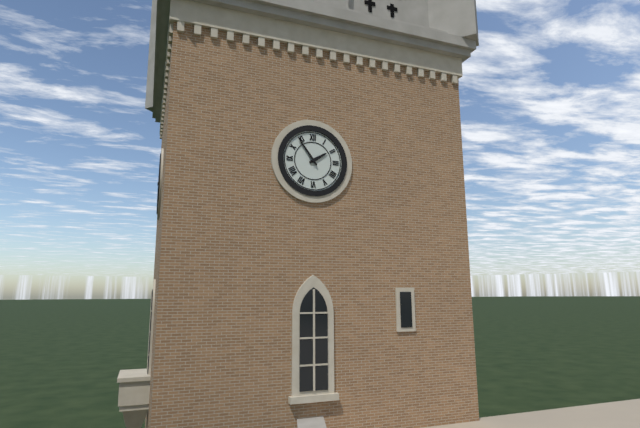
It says 1:54
